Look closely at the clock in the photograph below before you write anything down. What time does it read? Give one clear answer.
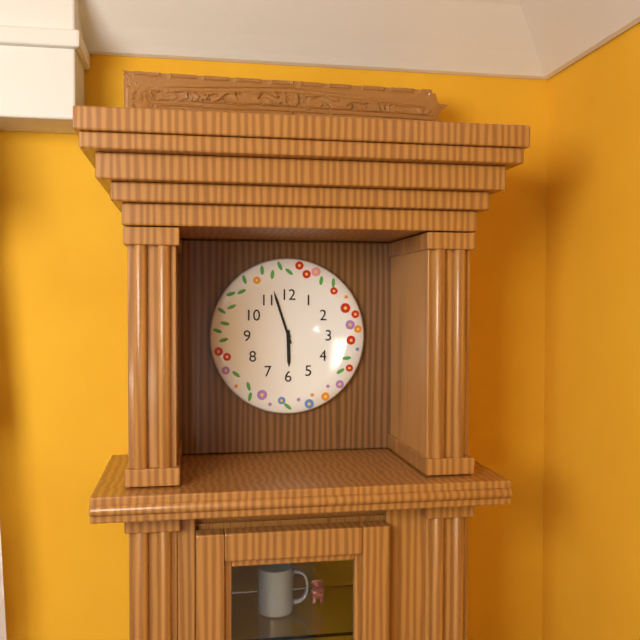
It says 5:57
